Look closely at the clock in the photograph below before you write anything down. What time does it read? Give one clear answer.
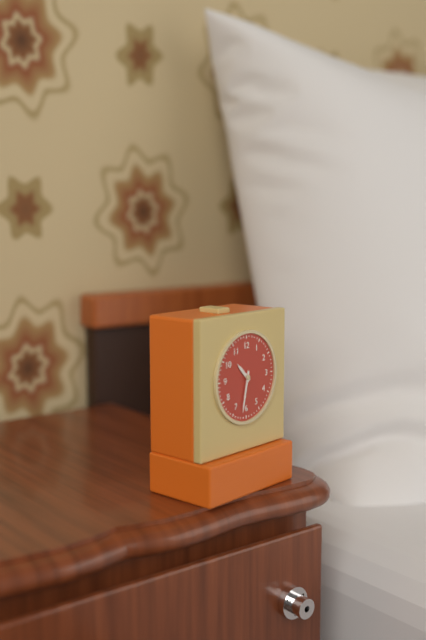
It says 10:32
